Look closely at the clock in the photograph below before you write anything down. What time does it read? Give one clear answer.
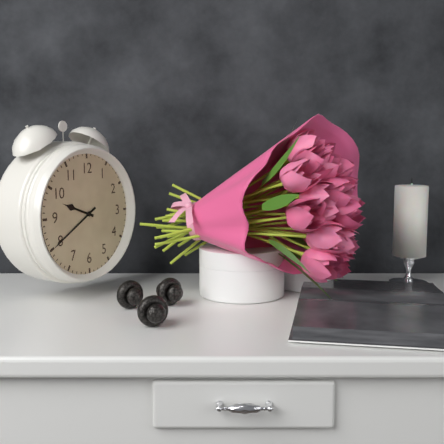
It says 9:40
